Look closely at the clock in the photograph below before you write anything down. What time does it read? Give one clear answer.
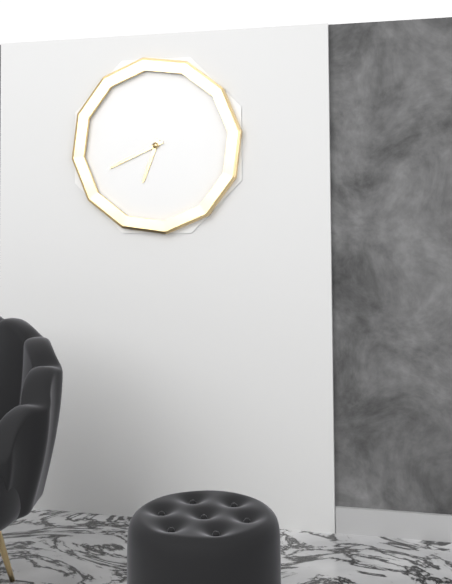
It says 6:41
